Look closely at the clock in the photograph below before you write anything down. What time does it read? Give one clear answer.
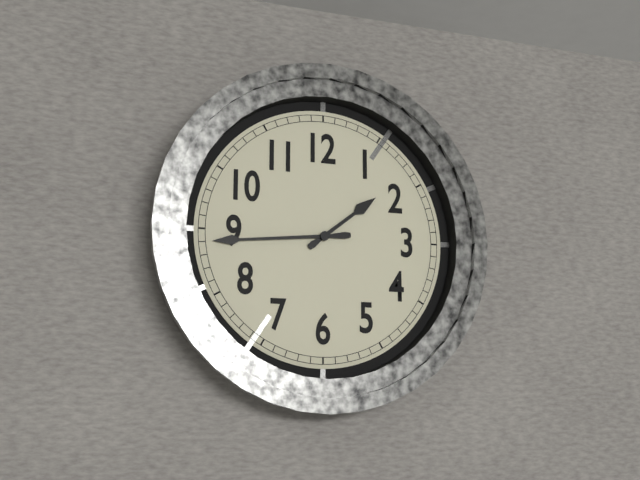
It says 1:44
